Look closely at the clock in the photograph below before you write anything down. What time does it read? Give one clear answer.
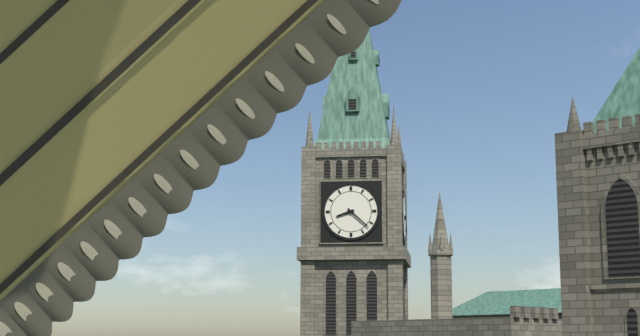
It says 8:22
